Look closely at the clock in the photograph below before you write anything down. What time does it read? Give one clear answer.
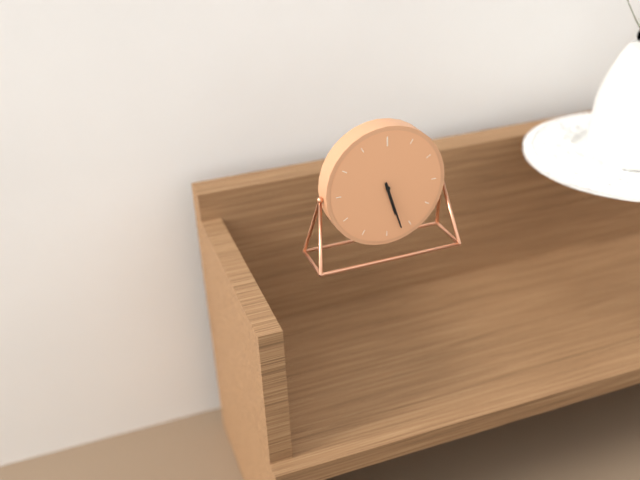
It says 5:27
